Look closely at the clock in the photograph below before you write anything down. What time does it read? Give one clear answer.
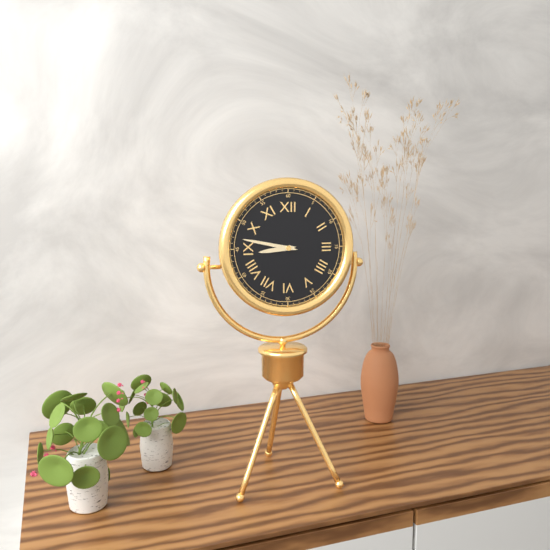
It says 8:47
